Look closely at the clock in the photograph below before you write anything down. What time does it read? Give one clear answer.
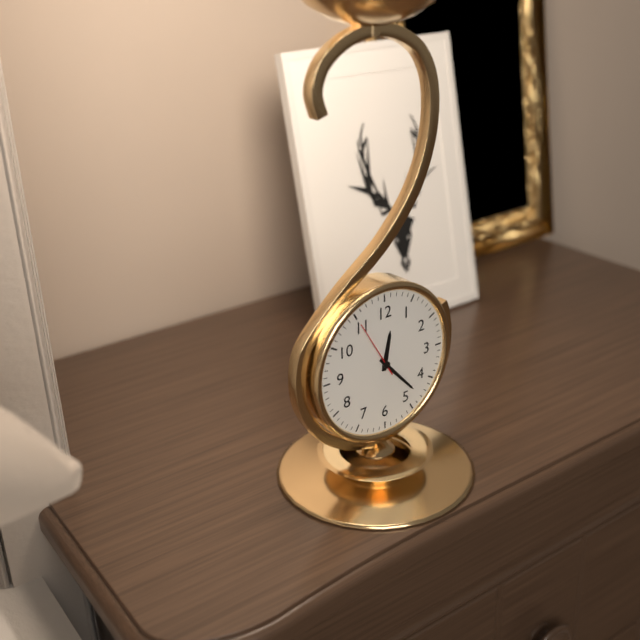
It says 12:23:55
